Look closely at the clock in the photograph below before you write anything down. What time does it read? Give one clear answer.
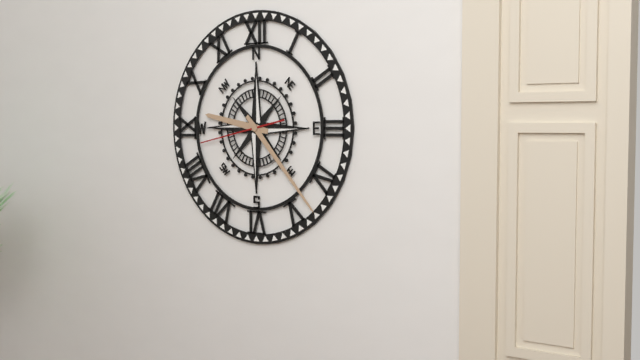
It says 9:23:43
